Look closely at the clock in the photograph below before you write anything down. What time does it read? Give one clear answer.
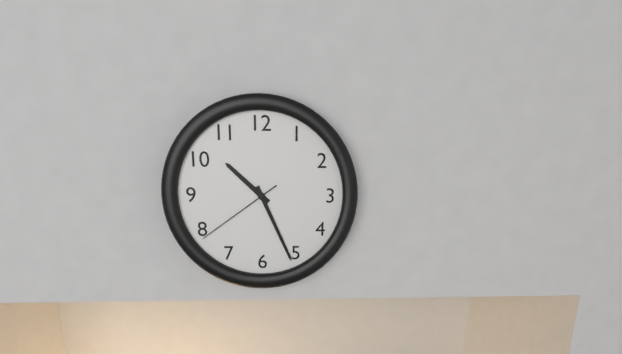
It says 10:26:39
